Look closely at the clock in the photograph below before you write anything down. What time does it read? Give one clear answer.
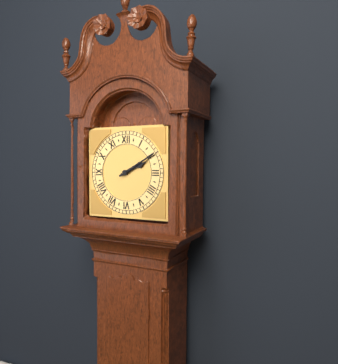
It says 2:10
